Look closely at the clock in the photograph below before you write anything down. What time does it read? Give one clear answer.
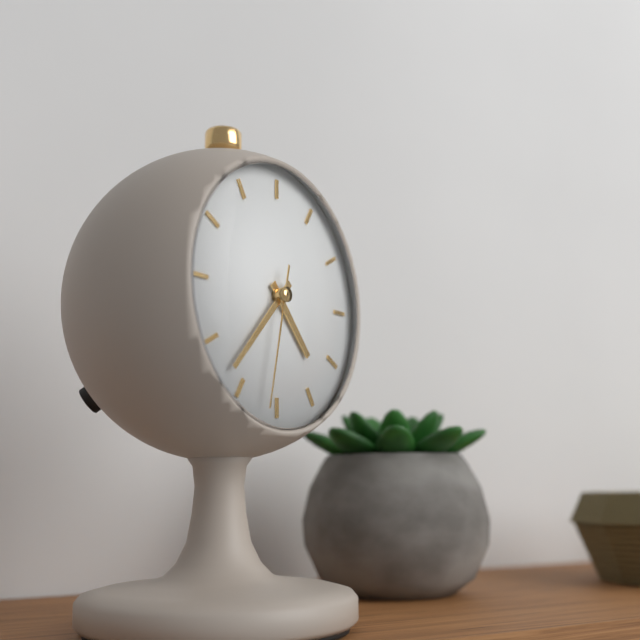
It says 4:37:32
